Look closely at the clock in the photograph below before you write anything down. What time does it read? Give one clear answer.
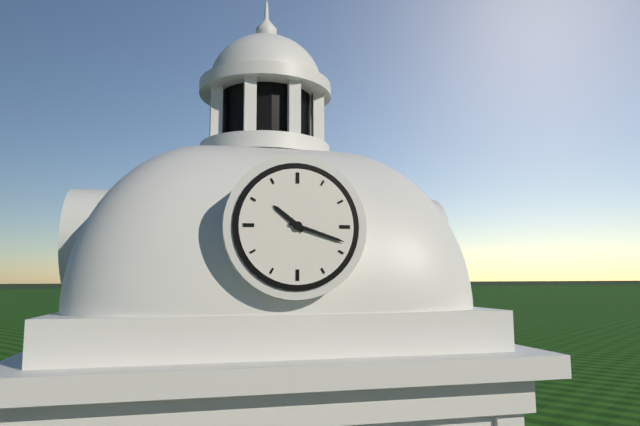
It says 10:18
